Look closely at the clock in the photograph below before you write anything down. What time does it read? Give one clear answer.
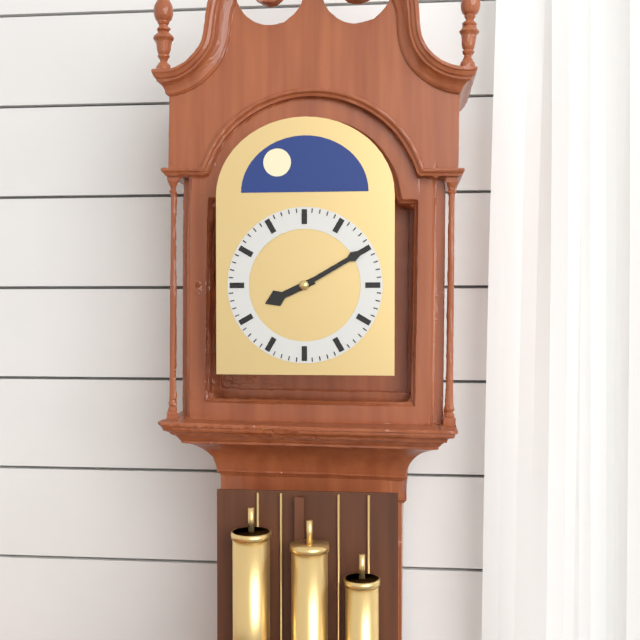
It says 8:10
